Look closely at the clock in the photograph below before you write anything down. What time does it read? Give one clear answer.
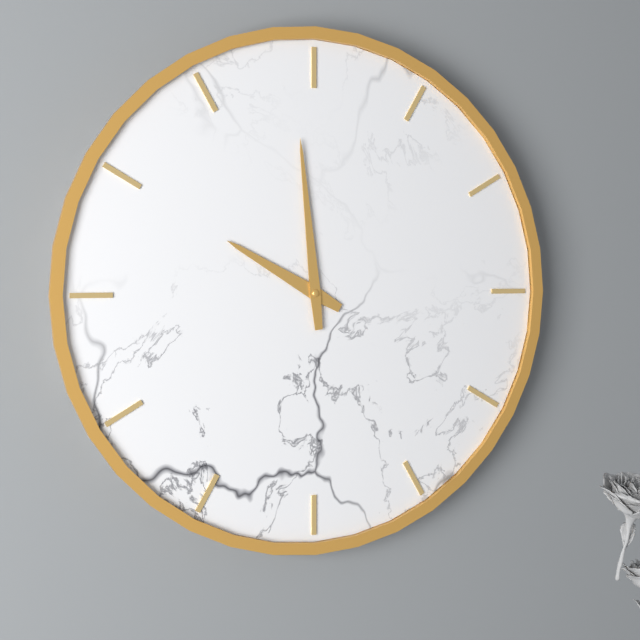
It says 9:59
